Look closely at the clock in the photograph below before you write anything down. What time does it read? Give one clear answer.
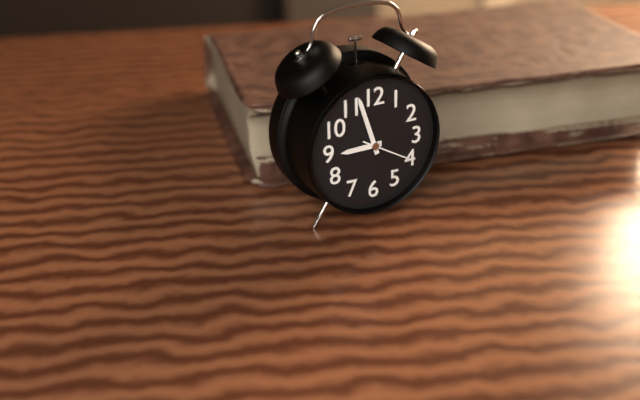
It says 8:57:20
